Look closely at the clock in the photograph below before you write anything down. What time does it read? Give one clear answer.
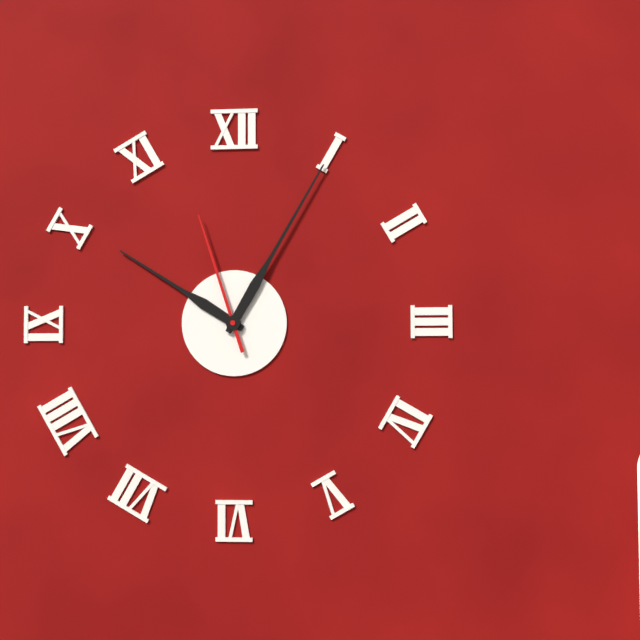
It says 10:05:57
